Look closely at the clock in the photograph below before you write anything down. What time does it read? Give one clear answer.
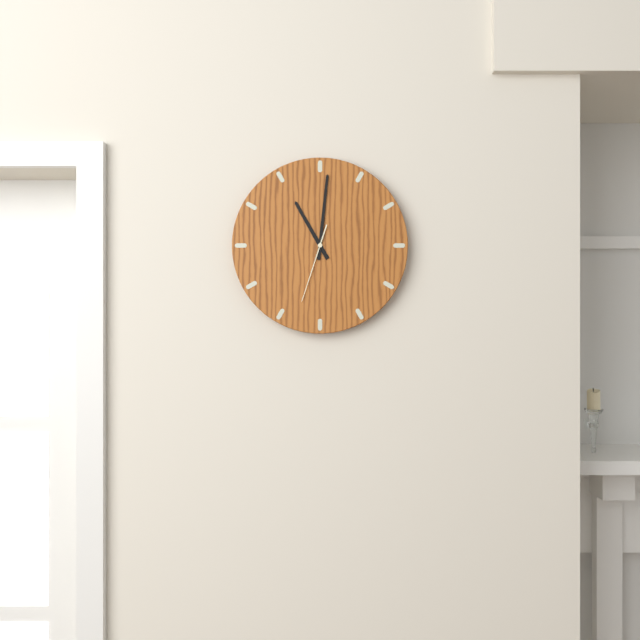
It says 11:01:33
